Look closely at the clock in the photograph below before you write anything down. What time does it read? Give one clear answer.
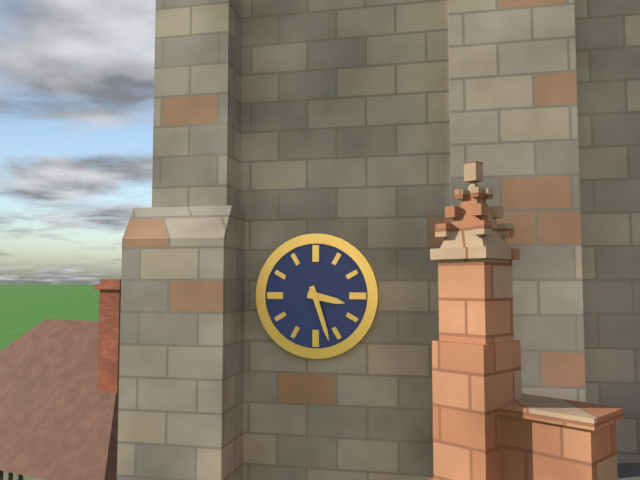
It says 3:27
